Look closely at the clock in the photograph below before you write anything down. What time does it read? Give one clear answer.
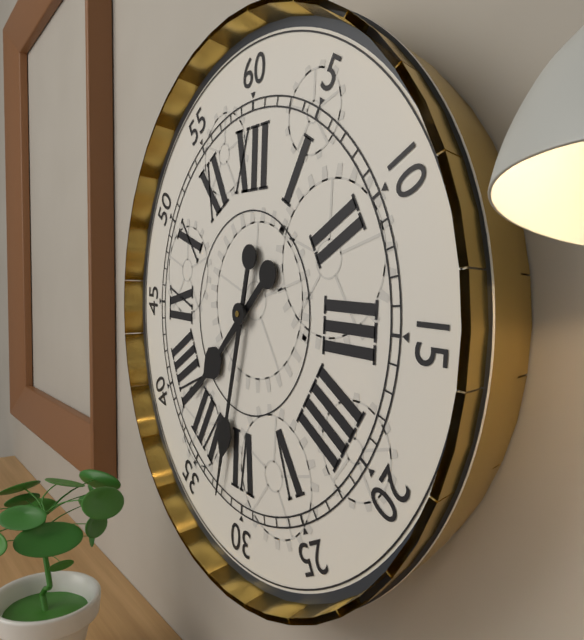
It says 7:32
